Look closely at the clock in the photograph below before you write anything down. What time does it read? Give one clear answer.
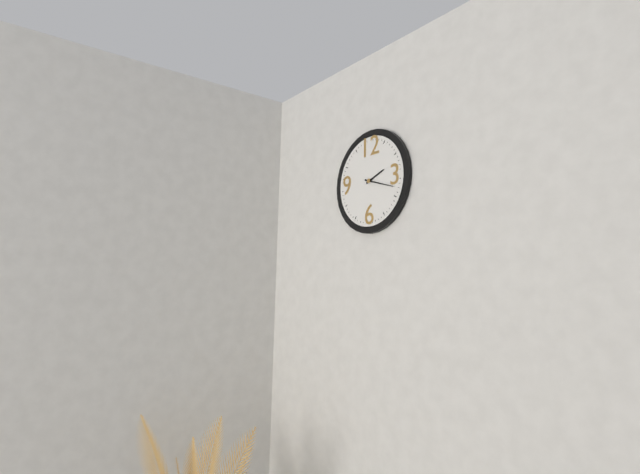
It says 2:18
